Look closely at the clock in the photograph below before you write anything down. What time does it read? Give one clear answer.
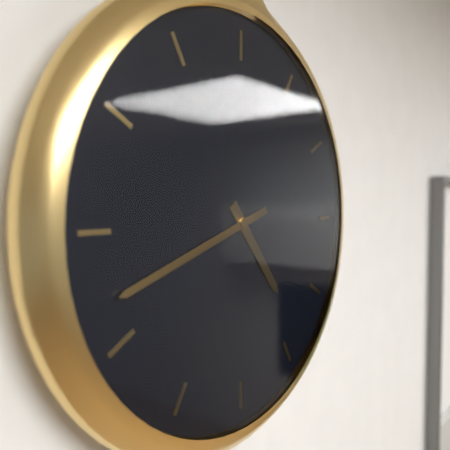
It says 4:42
